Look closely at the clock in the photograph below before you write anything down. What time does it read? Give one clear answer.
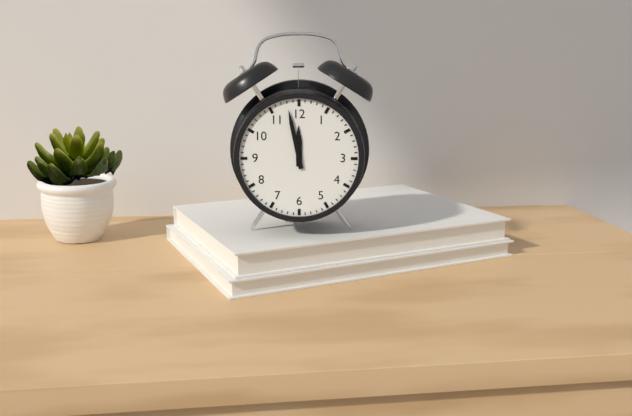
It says 11:58
